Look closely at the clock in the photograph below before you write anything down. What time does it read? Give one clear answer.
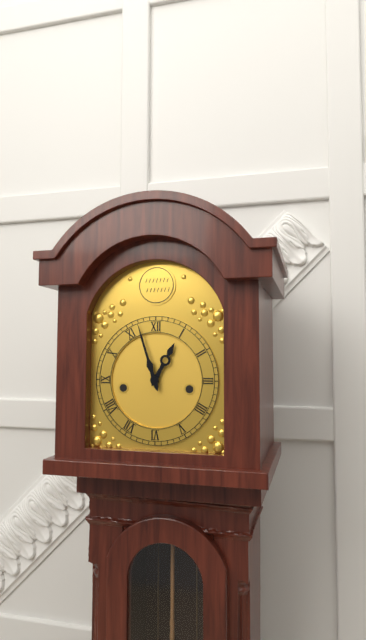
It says 12:57
